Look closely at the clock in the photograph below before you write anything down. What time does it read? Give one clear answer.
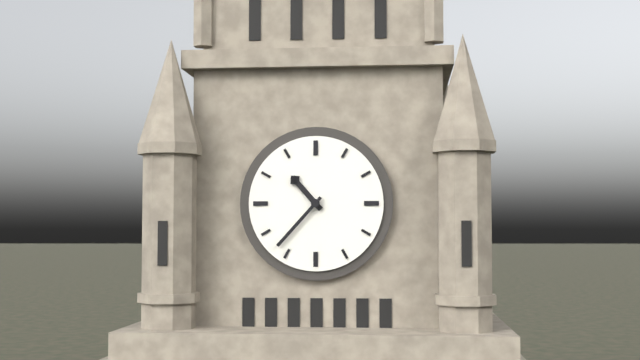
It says 10:37
